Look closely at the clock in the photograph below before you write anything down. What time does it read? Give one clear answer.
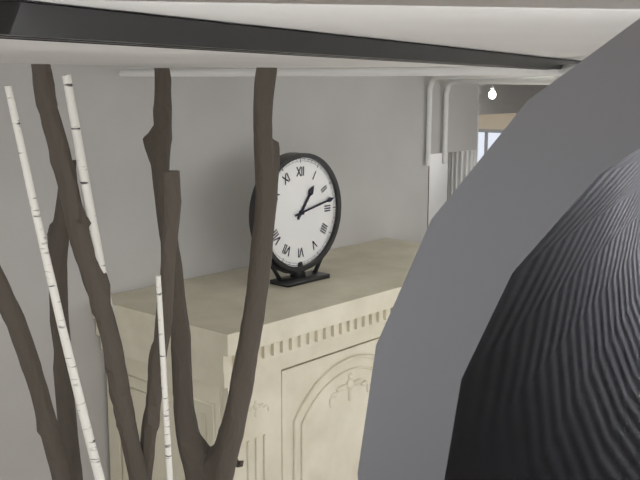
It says 1:13
